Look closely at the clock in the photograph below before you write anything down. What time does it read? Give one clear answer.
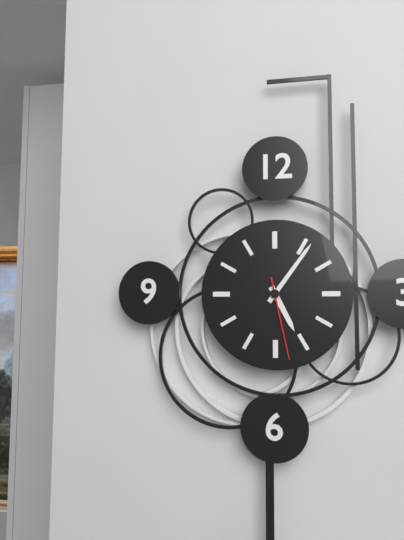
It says 5:06:28
